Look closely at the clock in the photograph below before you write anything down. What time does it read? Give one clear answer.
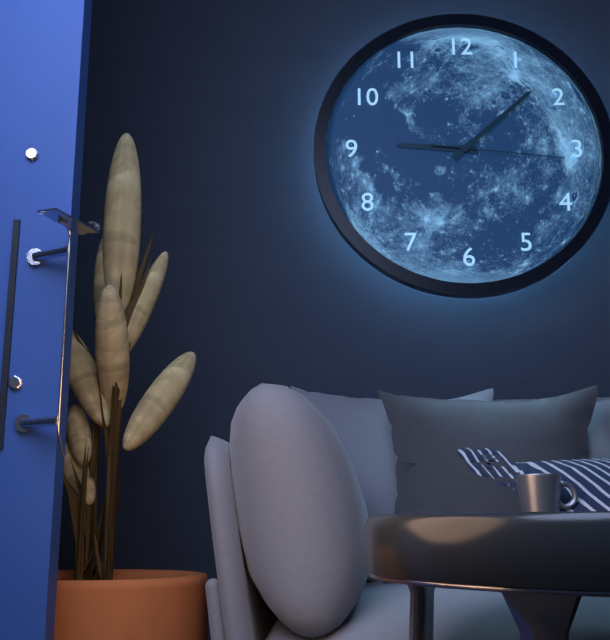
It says 9:08:16
